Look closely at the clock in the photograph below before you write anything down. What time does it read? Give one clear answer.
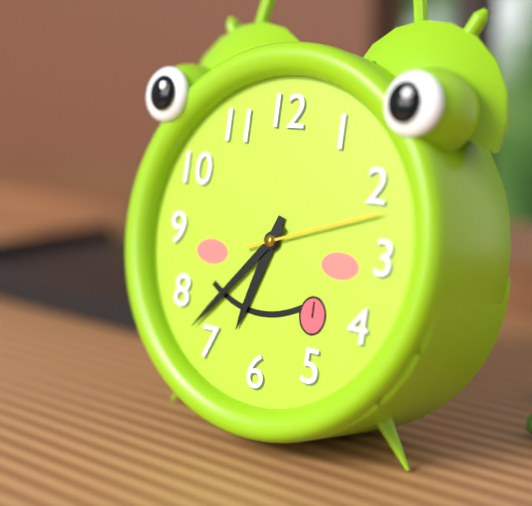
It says 6:37:12
